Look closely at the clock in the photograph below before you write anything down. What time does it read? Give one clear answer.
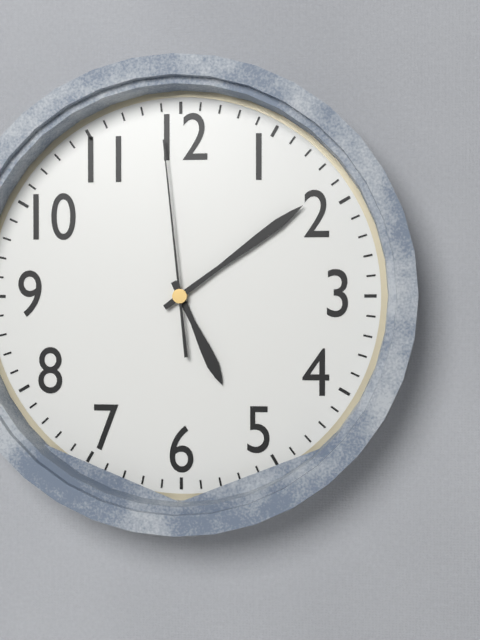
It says 5:09:59
